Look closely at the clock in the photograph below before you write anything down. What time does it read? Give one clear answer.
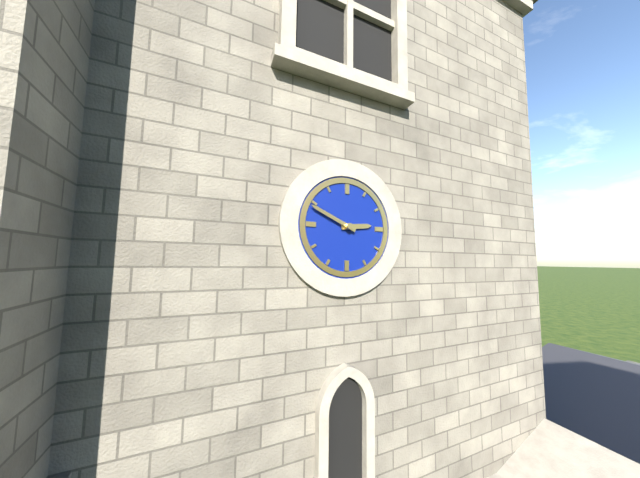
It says 2:49
